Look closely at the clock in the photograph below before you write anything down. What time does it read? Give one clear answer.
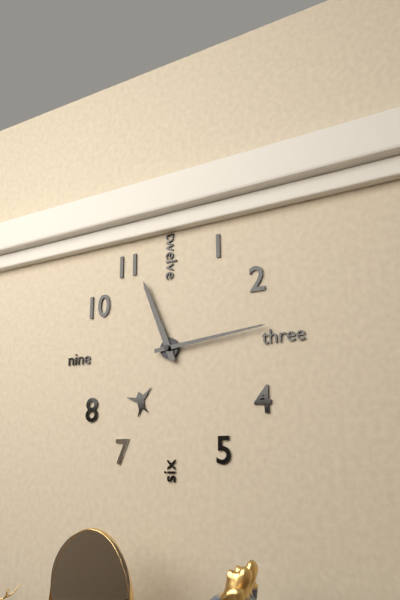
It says 11:14
